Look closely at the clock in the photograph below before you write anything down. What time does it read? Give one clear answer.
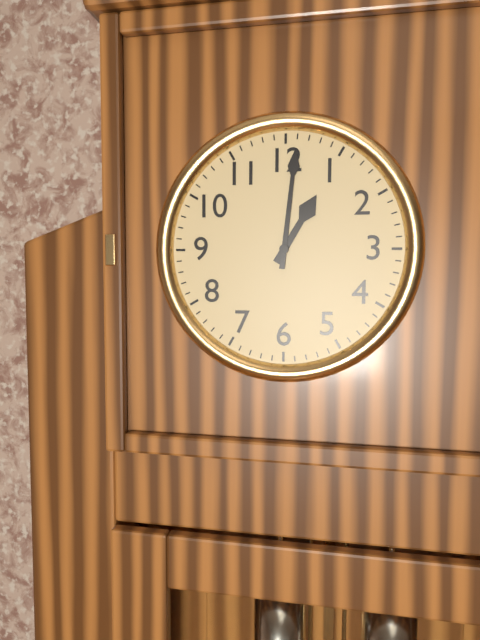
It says 1:01
